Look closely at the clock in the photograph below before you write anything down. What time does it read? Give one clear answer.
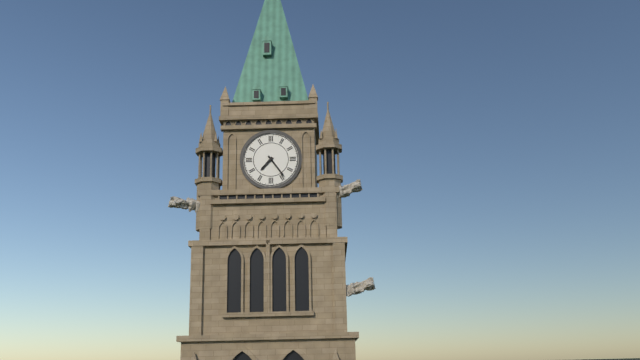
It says 7:24
